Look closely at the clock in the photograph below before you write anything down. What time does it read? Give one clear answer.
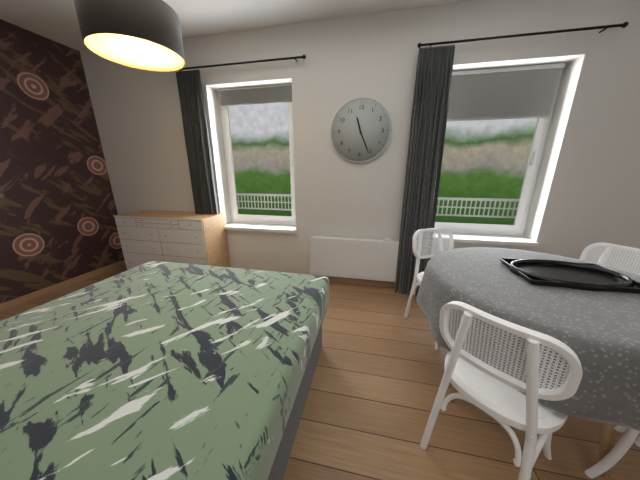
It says 11:26
